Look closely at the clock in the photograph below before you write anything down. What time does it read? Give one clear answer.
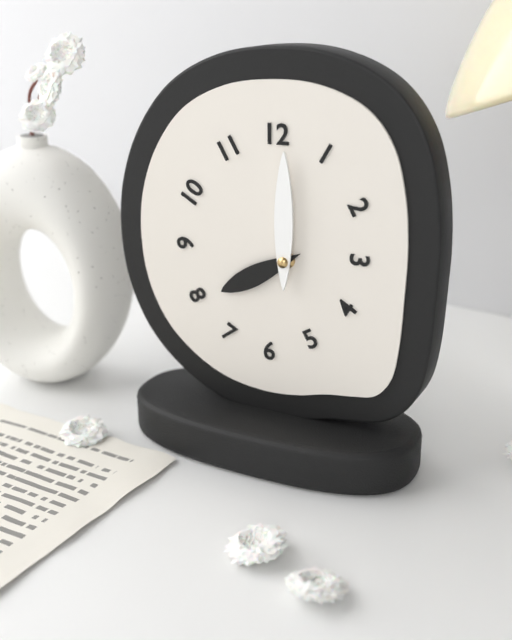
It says 8:00
